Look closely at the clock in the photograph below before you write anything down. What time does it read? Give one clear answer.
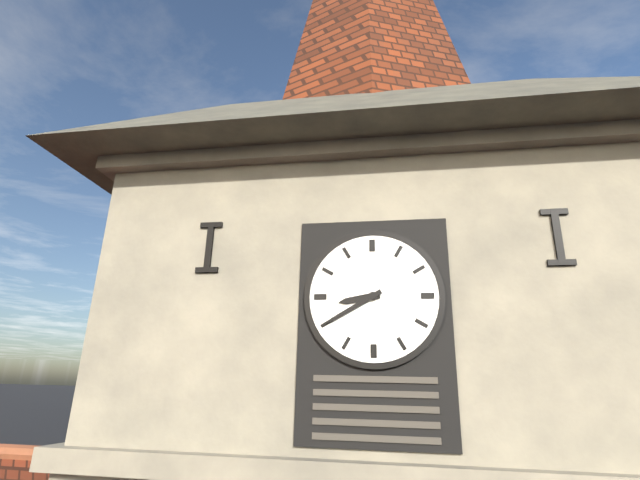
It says 8:40
